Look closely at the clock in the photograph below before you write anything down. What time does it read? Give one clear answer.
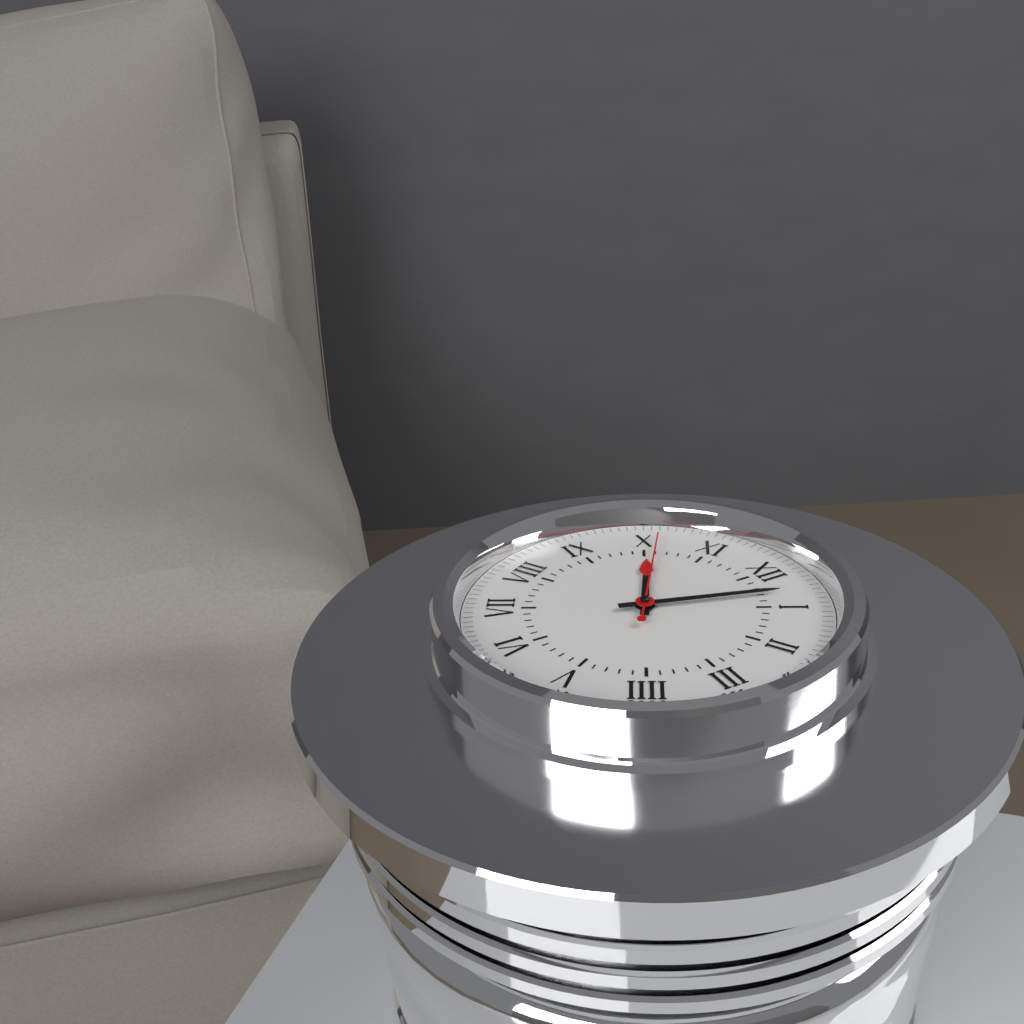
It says 10:03:51
